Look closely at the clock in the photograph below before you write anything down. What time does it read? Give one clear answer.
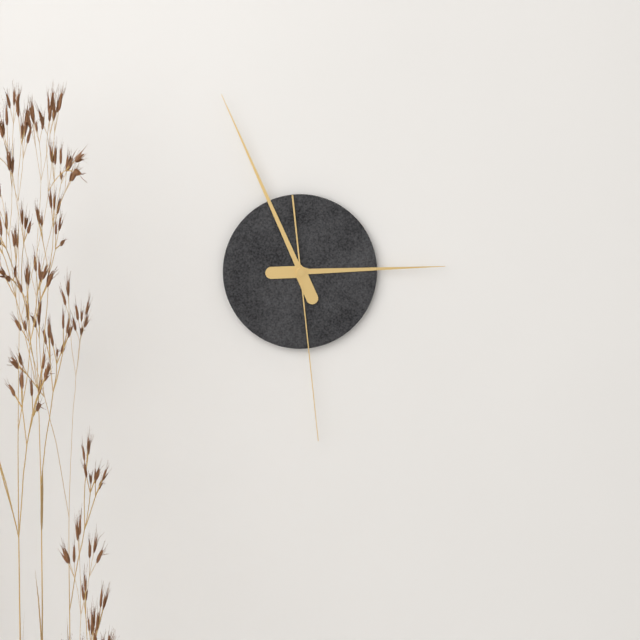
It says 2:56:29
